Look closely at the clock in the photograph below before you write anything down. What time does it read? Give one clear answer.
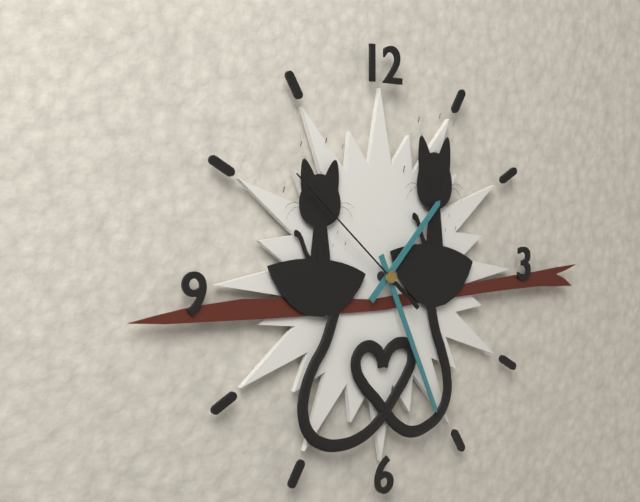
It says 1:26:52
